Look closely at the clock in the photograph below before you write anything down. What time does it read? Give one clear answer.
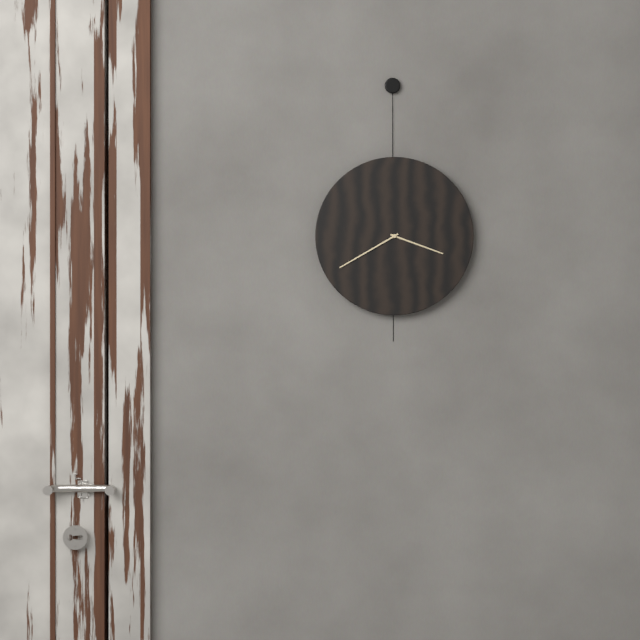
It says 3:40
